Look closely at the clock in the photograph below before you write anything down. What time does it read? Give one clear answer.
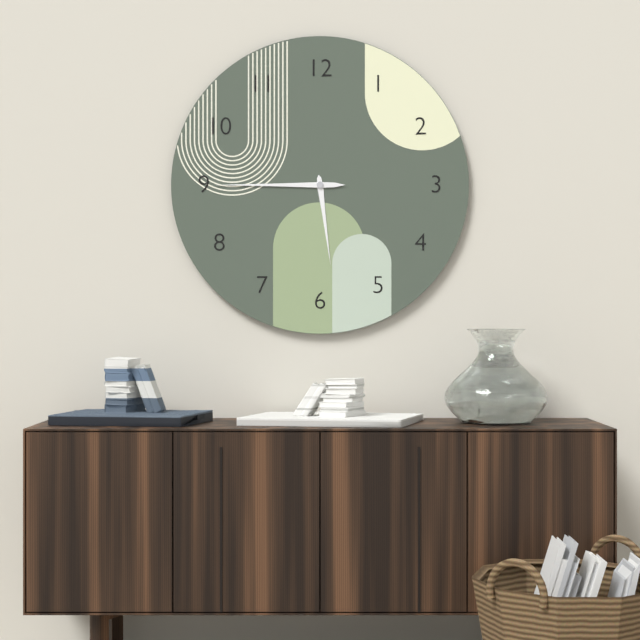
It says 5:45
